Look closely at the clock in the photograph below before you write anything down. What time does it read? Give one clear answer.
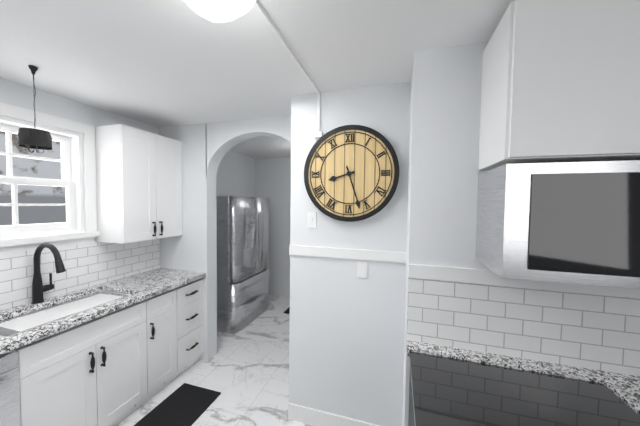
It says 8:27
